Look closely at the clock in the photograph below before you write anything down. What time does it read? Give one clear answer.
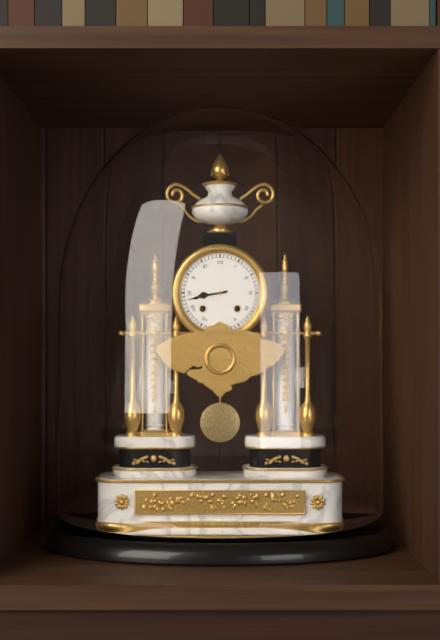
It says 8:43
